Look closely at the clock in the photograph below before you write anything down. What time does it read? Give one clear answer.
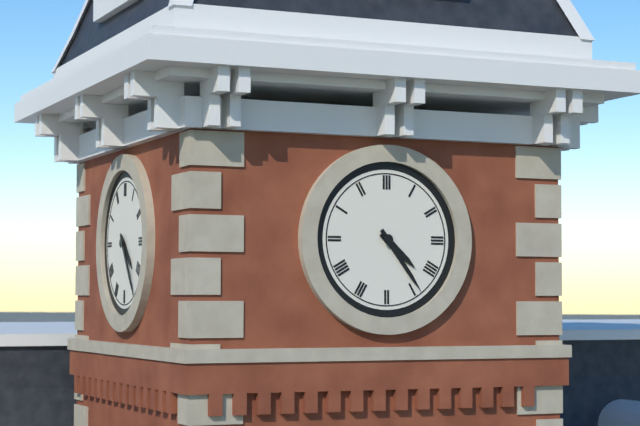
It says 4:24
